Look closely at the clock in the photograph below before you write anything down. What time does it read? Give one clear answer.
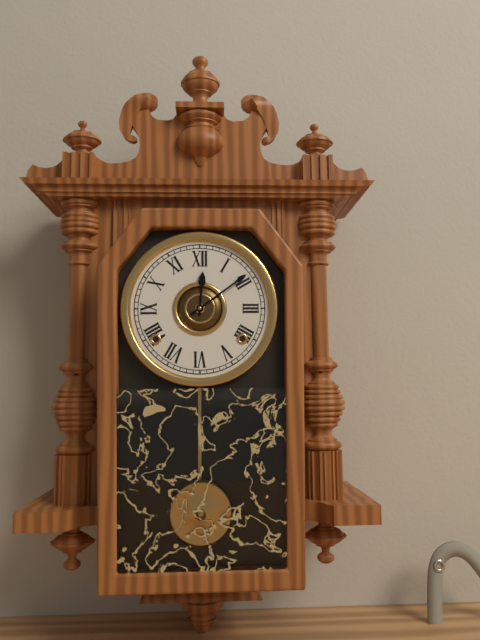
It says 12:09
